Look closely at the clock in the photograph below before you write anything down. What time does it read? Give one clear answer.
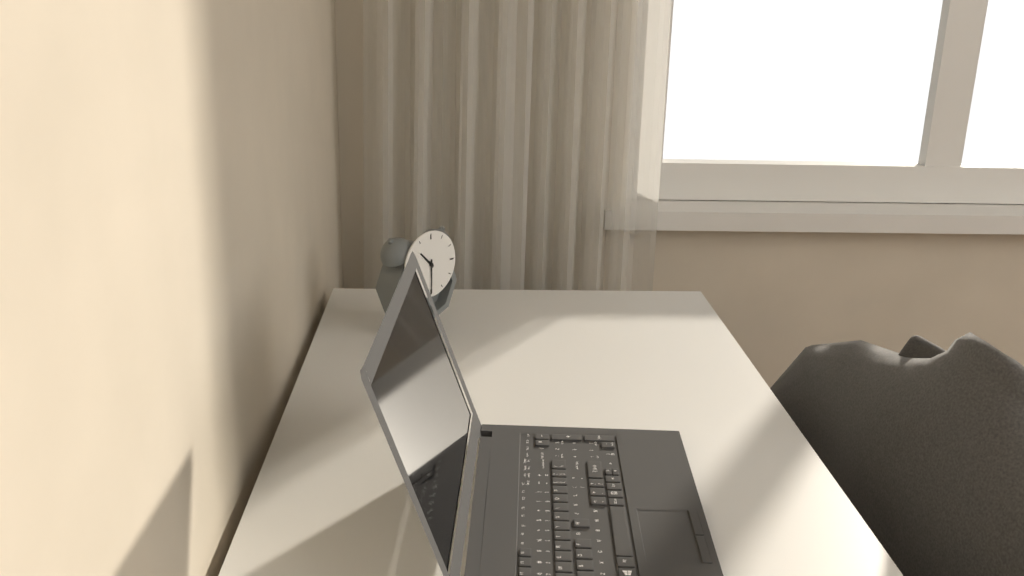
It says 10:30
